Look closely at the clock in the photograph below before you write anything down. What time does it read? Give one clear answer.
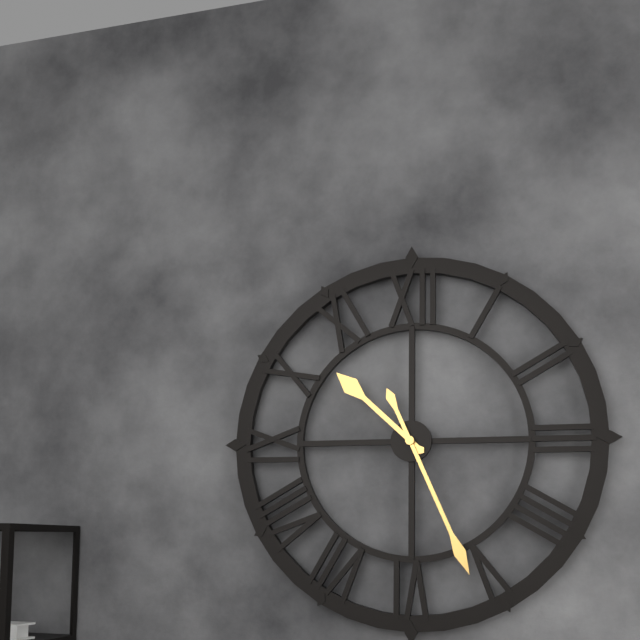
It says 10:26
